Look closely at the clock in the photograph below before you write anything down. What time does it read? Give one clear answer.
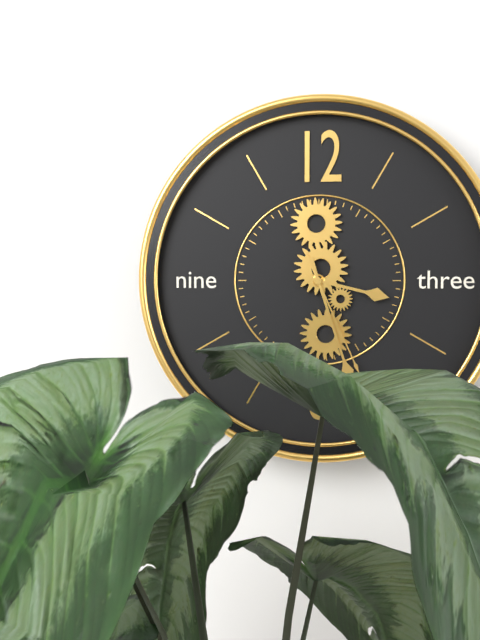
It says 3:27:26
